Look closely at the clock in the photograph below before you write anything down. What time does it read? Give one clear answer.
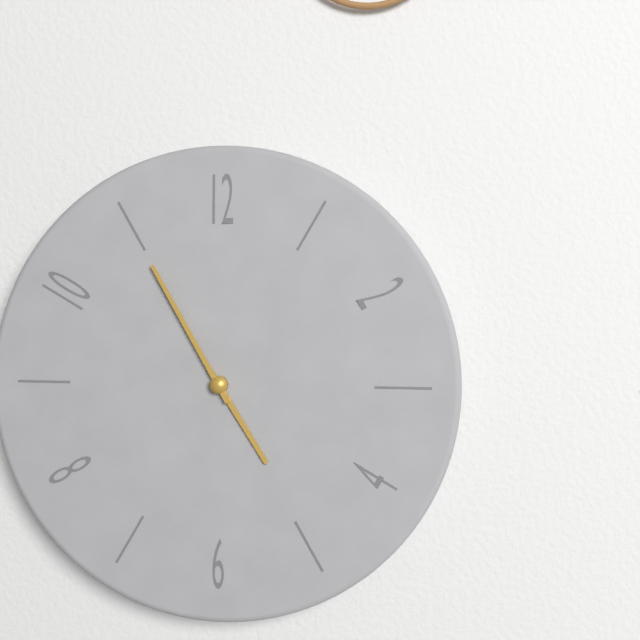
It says 4:55
